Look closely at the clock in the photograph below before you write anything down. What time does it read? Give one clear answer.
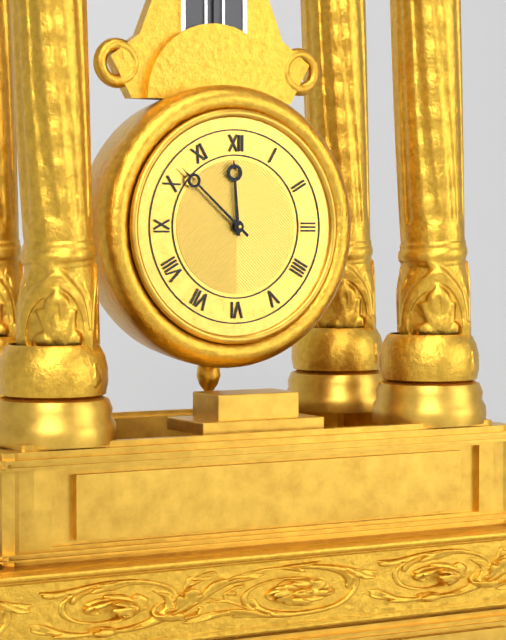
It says 11:52
